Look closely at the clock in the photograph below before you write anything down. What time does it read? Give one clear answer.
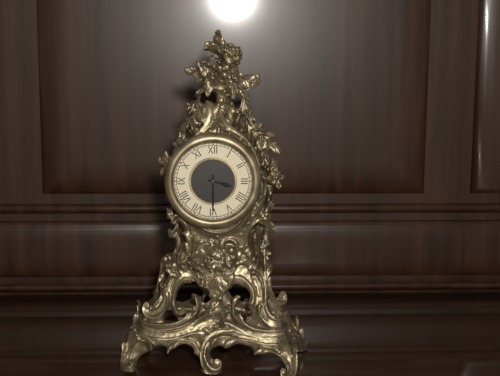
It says 3:30
